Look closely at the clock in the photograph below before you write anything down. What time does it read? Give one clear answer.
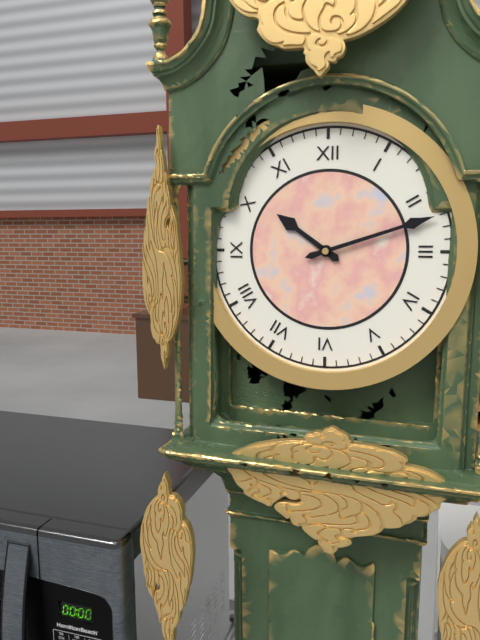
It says 10:12
